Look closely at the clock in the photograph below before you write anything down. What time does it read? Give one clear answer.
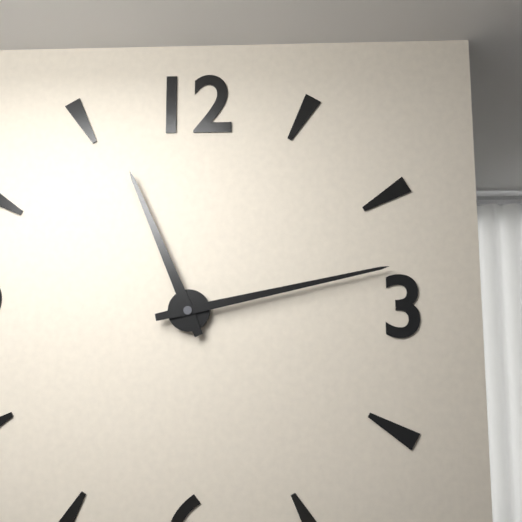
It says 11:13
